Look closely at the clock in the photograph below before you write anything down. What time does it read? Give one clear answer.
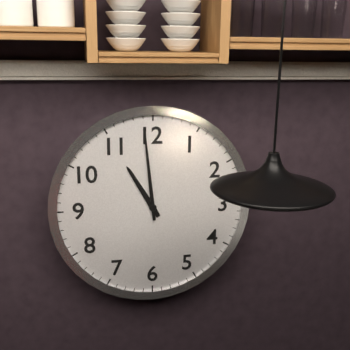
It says 10:59
